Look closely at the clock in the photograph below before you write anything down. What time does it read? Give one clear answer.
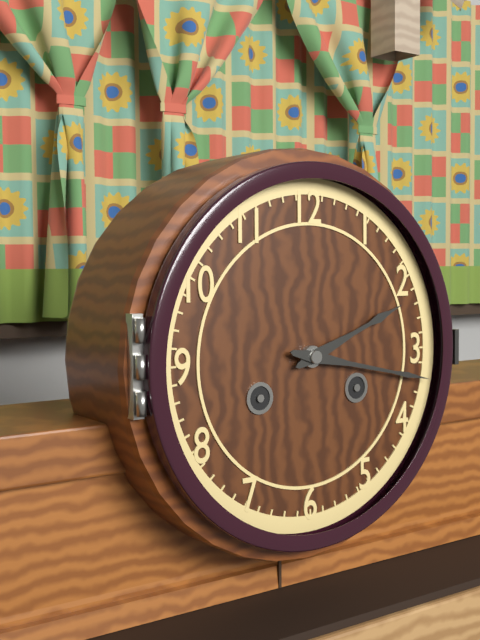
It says 2:17
